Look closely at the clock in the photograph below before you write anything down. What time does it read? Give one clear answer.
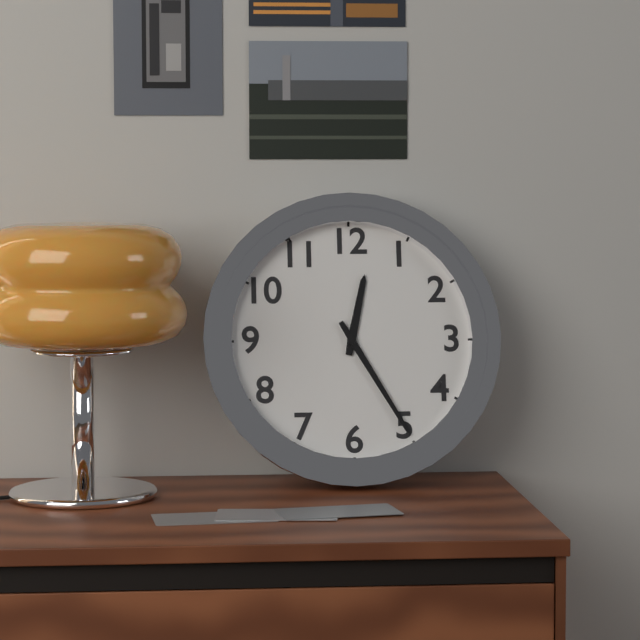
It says 12:25
